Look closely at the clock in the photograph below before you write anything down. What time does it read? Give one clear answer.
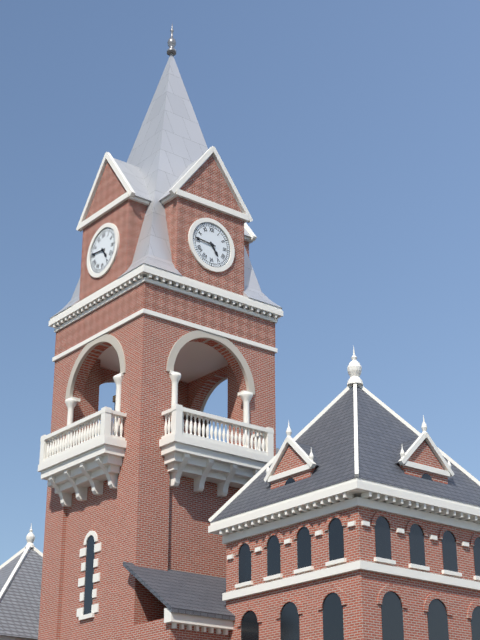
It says 4:46
